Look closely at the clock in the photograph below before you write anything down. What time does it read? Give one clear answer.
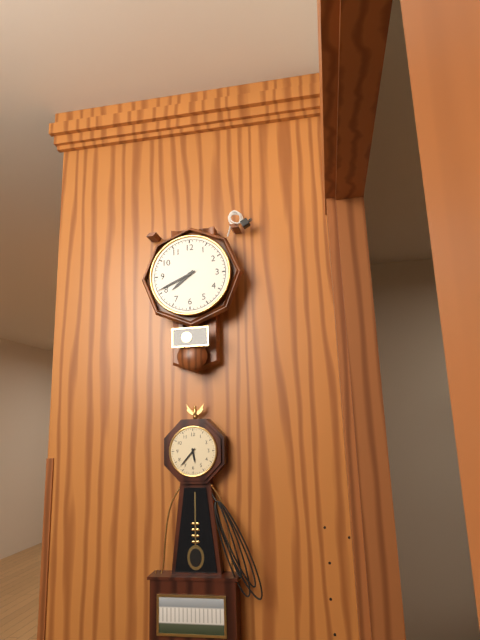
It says 7:41
